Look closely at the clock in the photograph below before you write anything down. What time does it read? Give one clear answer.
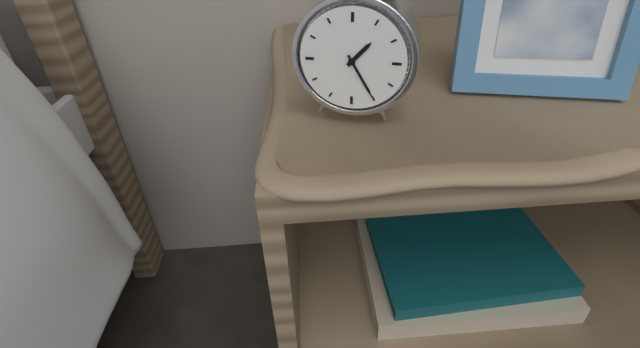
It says 1:25
